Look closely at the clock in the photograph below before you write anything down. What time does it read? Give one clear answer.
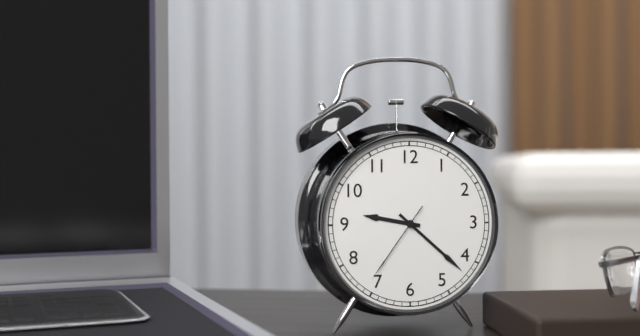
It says 9:22:36
